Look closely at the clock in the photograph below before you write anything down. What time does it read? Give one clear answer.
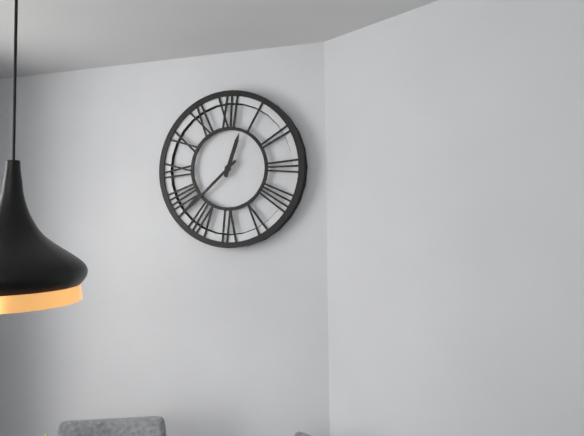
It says 12:38
